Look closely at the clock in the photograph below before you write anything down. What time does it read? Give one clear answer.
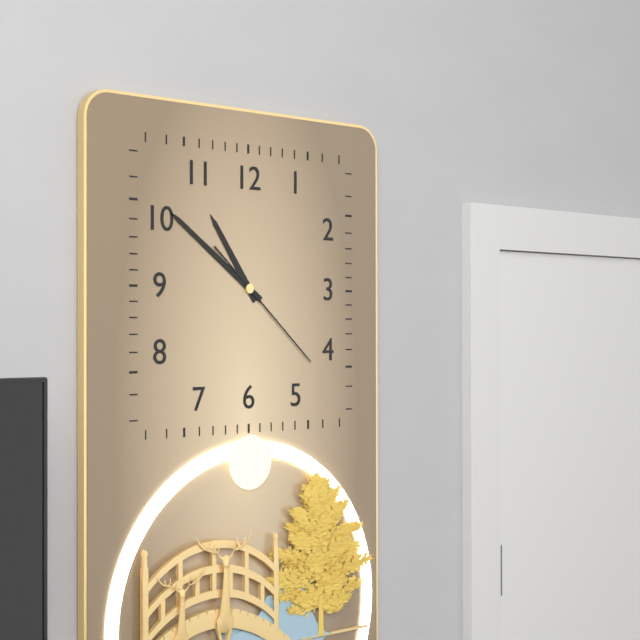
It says 10:51:22
